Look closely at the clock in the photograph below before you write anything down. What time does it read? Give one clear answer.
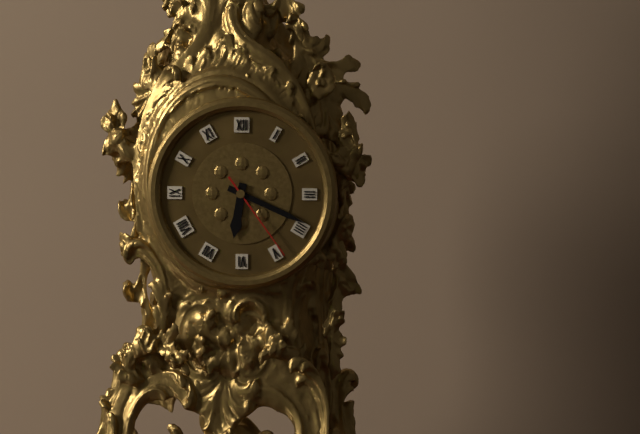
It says 6:19:24
